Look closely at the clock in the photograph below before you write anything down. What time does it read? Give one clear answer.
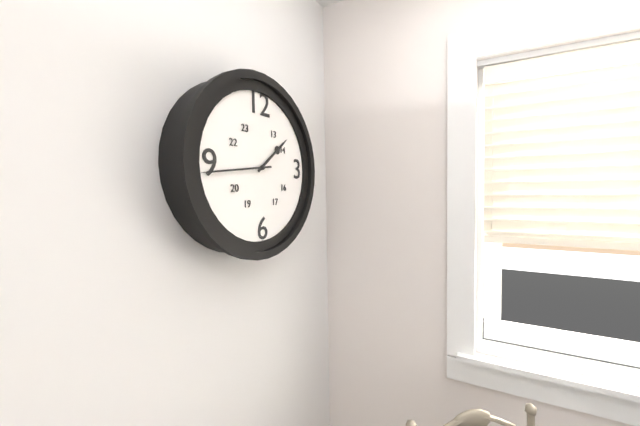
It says 1:44
